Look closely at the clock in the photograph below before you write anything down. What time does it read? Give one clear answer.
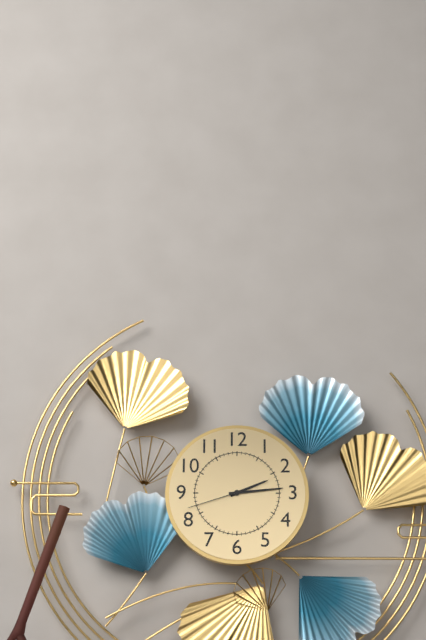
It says 2:14:42
